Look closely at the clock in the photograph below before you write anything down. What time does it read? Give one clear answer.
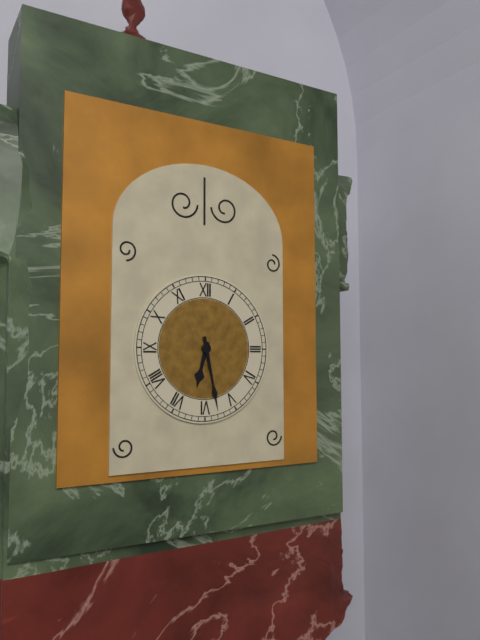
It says 6:28
